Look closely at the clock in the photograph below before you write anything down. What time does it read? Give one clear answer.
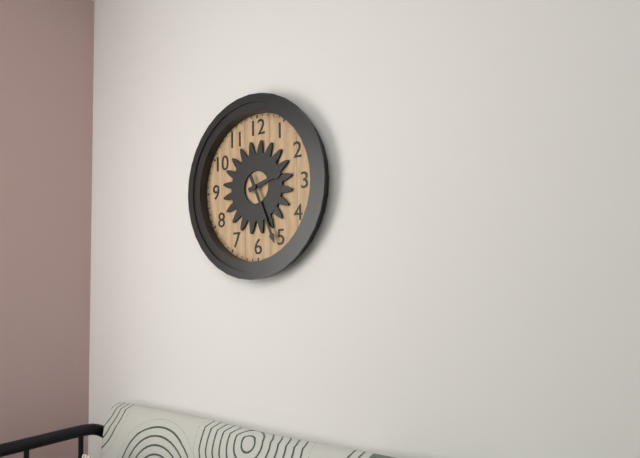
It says 2:26
